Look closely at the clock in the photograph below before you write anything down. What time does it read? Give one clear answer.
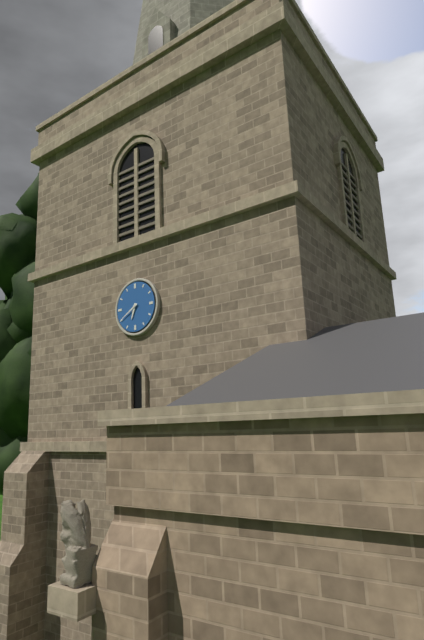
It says 6:40
